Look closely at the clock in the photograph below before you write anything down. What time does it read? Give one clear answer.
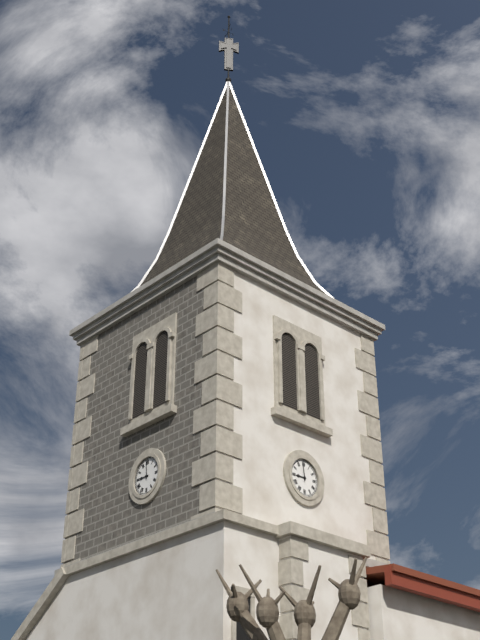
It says 8:59
